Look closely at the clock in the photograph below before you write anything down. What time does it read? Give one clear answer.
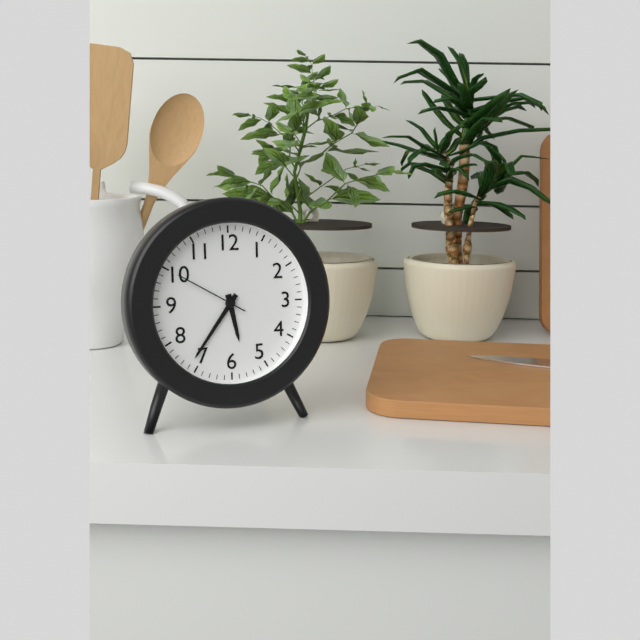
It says 5:36:50
